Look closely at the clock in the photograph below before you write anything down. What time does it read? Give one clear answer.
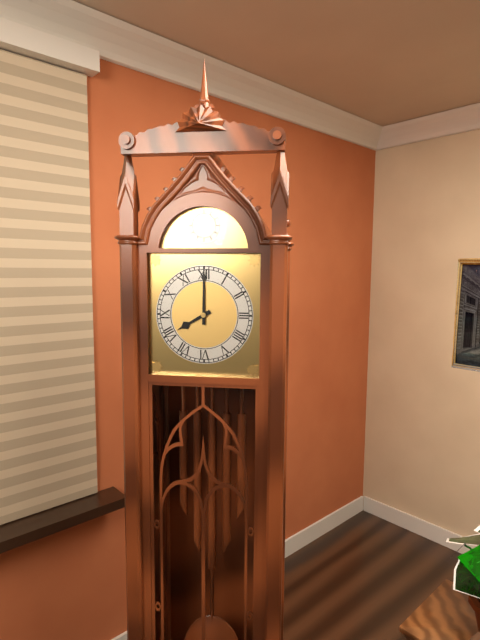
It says 8:00
